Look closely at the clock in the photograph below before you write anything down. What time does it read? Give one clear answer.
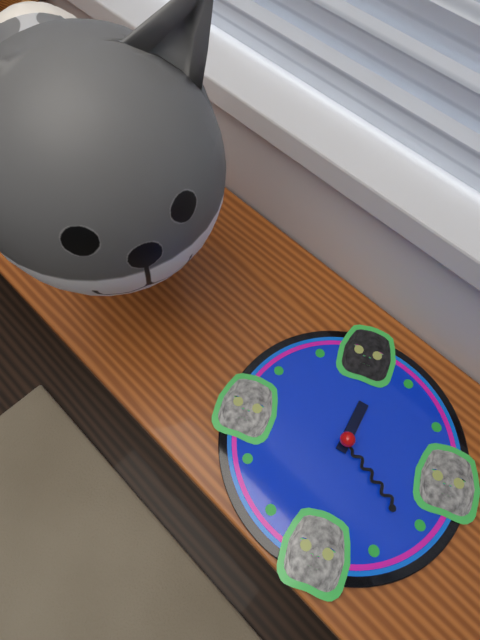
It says 12:21
